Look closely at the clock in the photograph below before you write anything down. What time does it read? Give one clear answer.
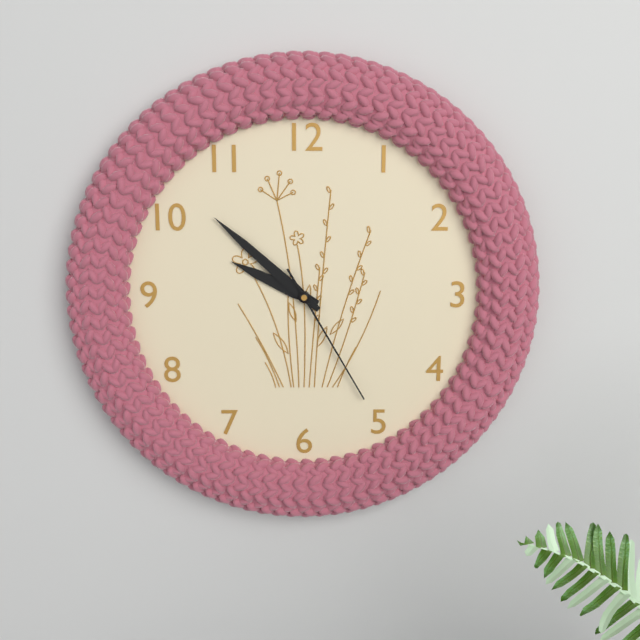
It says 9:52:25
